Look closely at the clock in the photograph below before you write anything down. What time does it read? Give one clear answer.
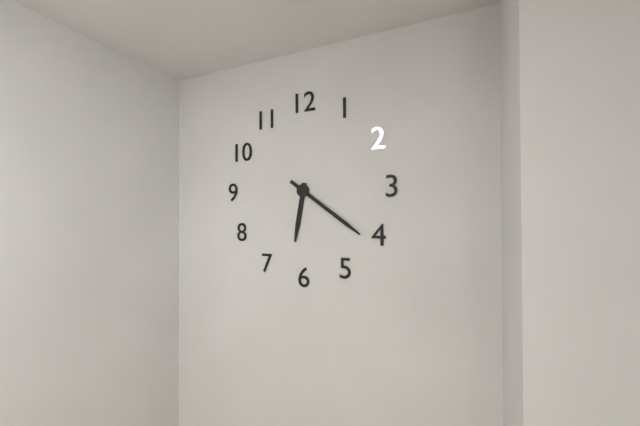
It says 6:21
